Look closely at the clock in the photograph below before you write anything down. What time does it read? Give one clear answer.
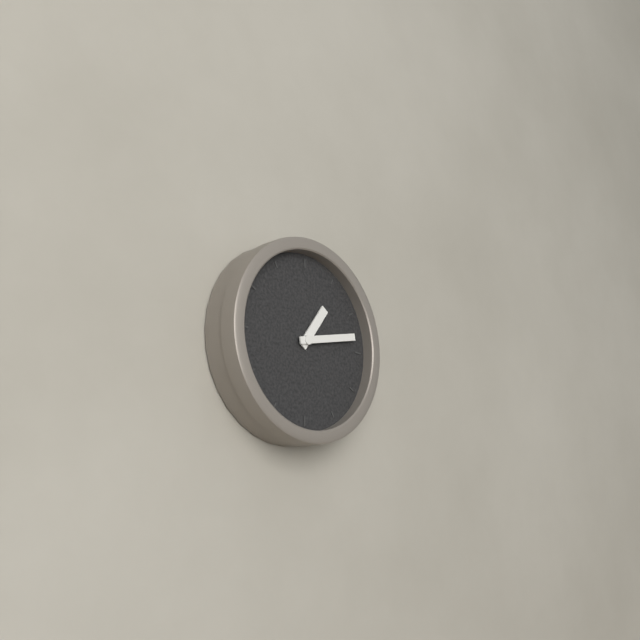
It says 1:13
